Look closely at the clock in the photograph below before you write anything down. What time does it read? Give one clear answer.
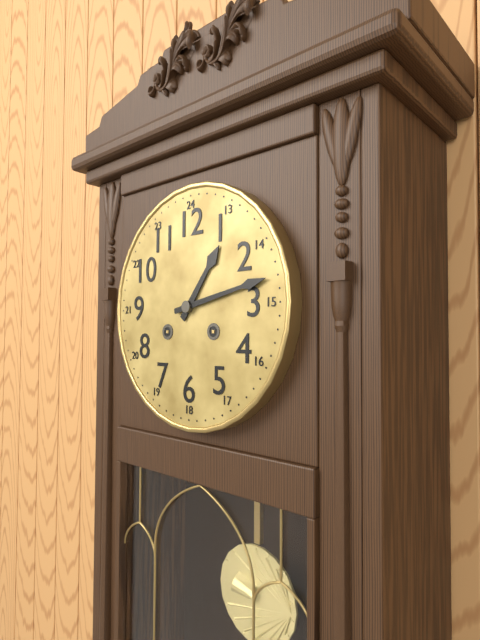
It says 1:13
